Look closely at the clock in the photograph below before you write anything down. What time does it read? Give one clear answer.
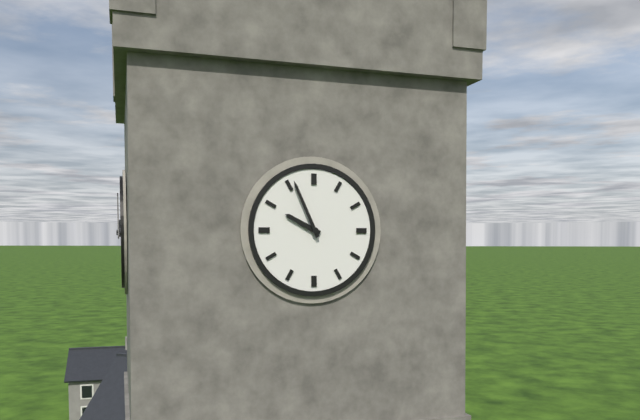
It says 9:56
